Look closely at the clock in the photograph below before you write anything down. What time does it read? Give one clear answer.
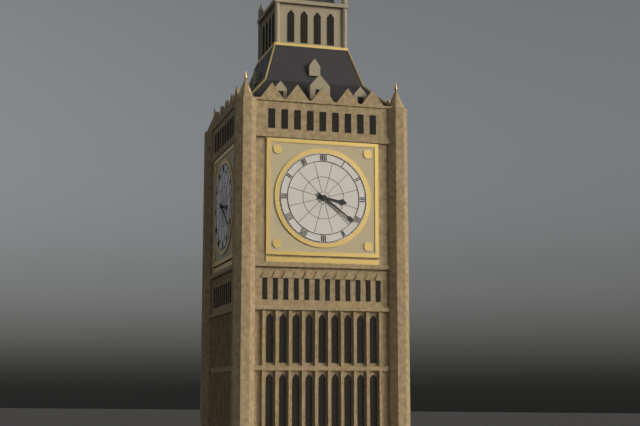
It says 3:21
